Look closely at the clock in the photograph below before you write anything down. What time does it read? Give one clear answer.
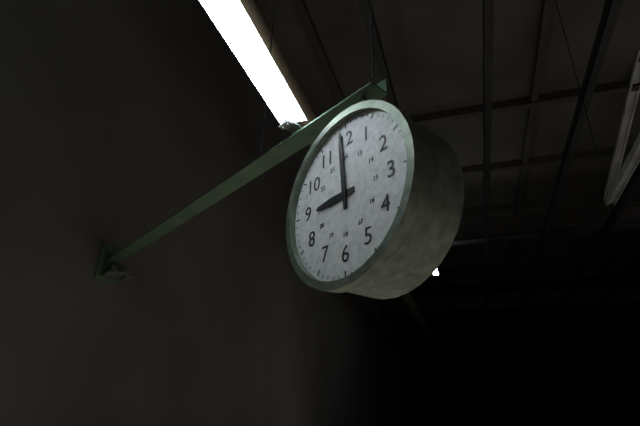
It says 8:59
